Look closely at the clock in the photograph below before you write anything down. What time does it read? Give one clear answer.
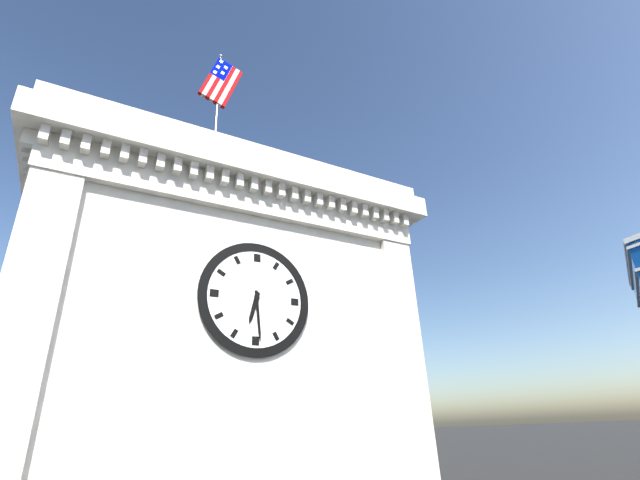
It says 6:29
